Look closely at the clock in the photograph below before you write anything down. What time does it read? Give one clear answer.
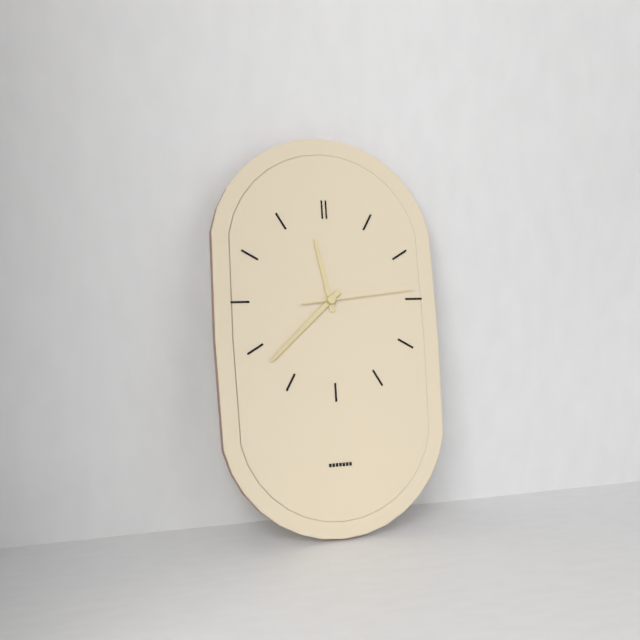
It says 11:38:14
